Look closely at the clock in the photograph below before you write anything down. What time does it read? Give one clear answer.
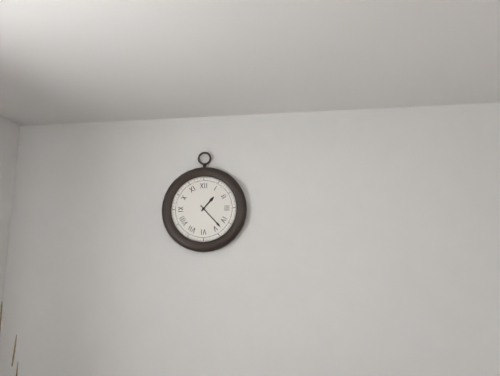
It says 1:23
